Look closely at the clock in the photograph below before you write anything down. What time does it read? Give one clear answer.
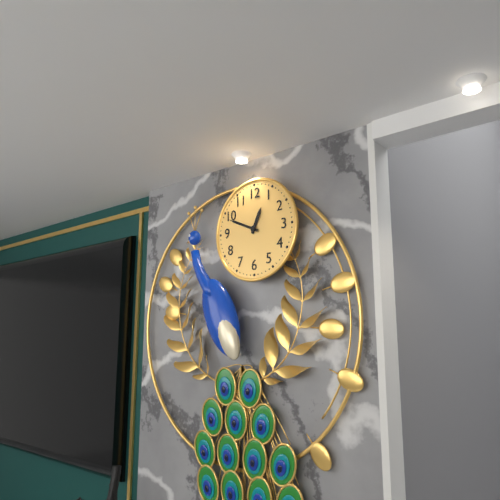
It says 12:49
